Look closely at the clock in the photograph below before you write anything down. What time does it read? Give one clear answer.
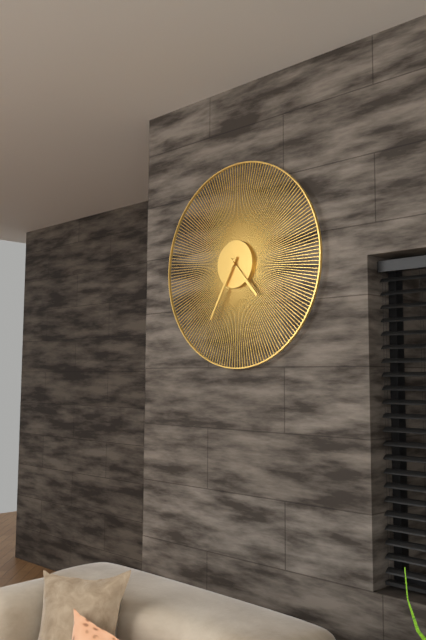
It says 4:35
